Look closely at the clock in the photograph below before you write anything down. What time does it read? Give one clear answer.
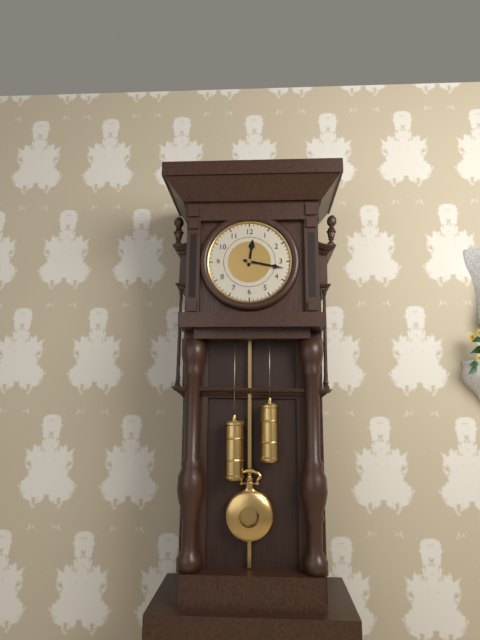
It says 12:17
